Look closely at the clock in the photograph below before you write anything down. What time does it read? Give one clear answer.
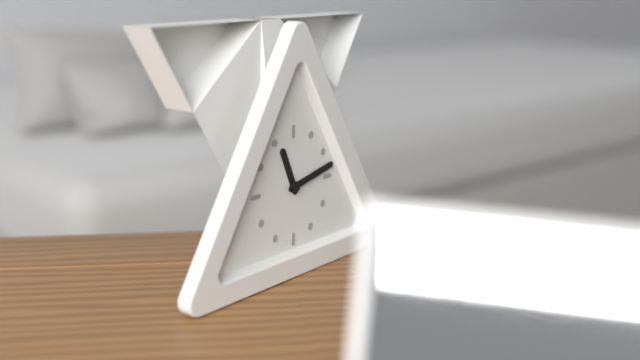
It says 11:13
